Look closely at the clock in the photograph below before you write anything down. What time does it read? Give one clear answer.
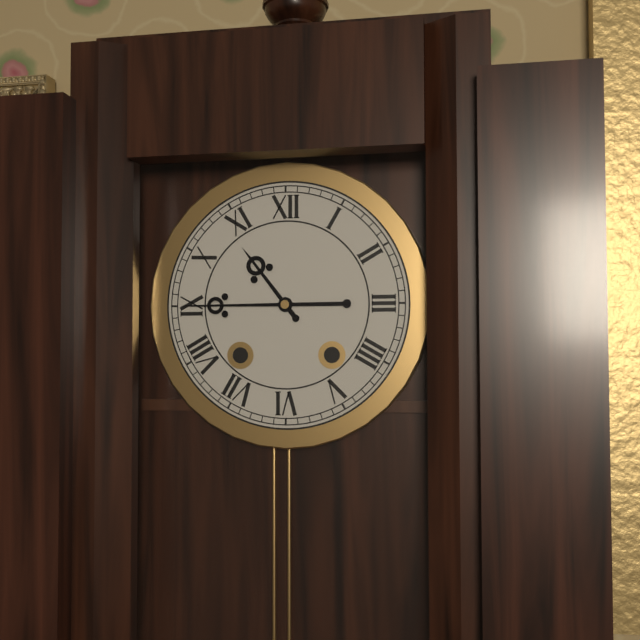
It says 10:45
